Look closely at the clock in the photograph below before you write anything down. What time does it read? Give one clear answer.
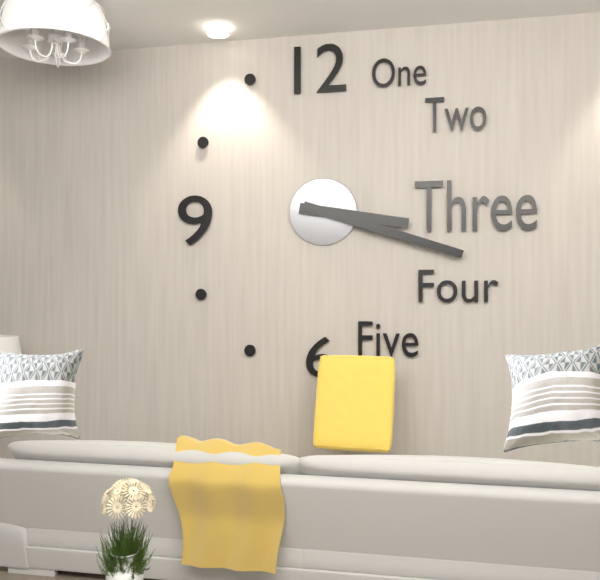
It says 3:18
